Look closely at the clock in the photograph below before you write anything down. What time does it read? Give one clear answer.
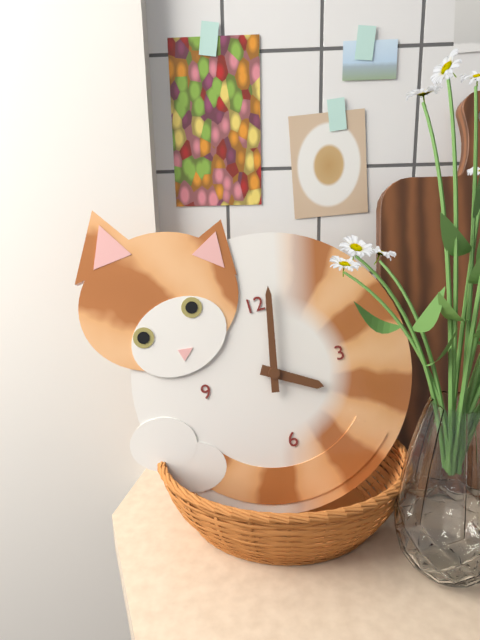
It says 4:02
